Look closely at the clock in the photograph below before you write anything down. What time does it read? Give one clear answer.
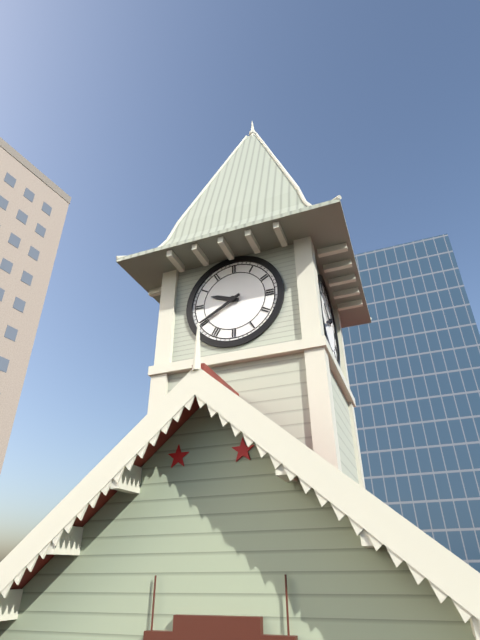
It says 9:40
